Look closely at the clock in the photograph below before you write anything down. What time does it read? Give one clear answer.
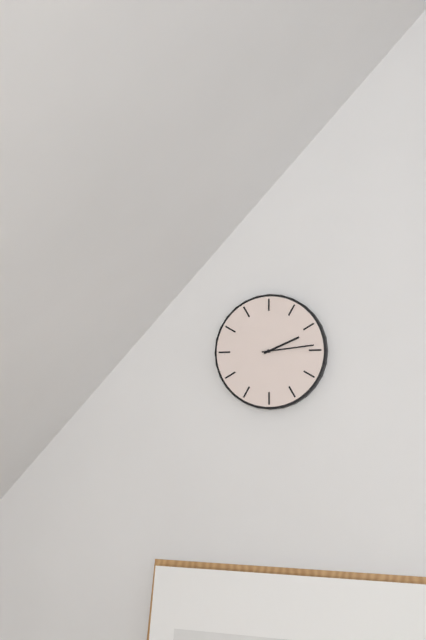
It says 2:14
